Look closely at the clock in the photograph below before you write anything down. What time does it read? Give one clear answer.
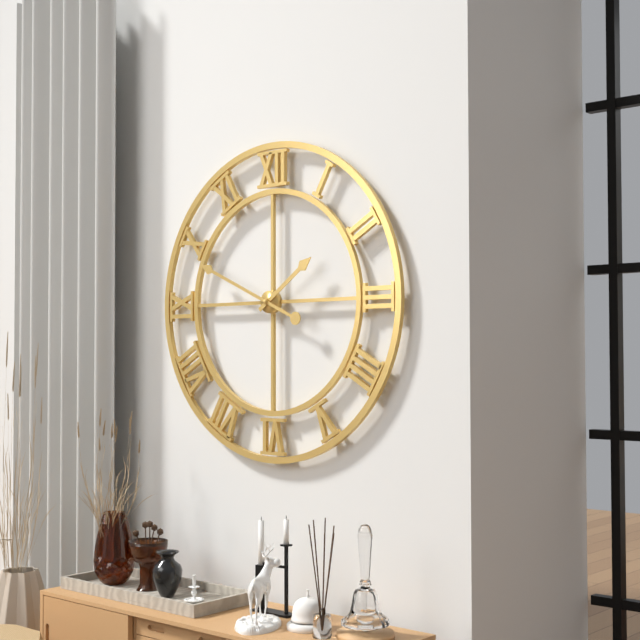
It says 1:49
